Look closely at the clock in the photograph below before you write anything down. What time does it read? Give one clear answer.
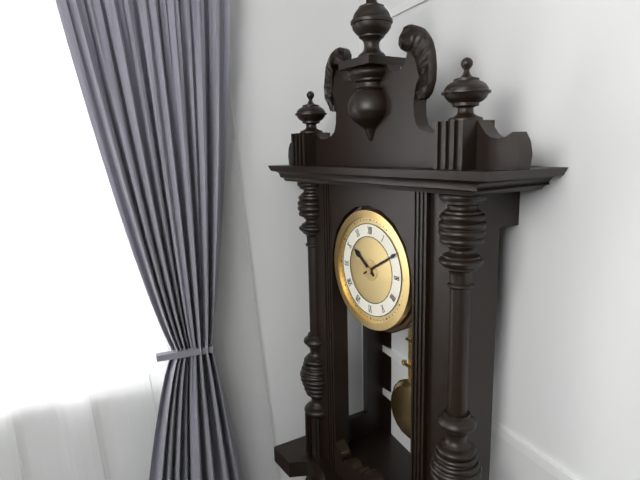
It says 10:10
